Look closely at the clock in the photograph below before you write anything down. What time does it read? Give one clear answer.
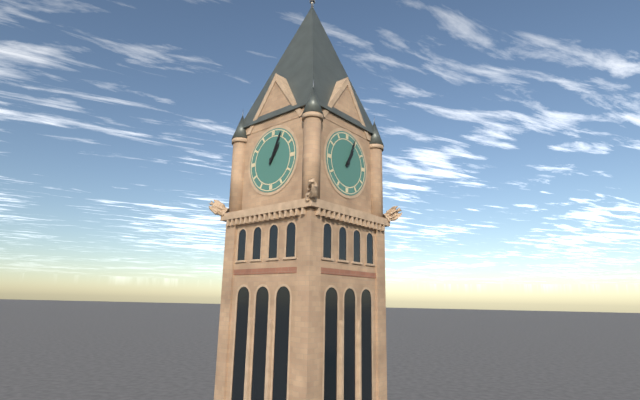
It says 1:04
